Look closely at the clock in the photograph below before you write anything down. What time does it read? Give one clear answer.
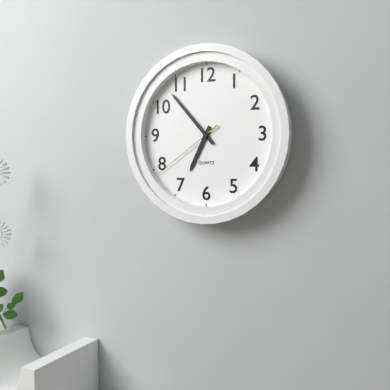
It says 6:53:39
